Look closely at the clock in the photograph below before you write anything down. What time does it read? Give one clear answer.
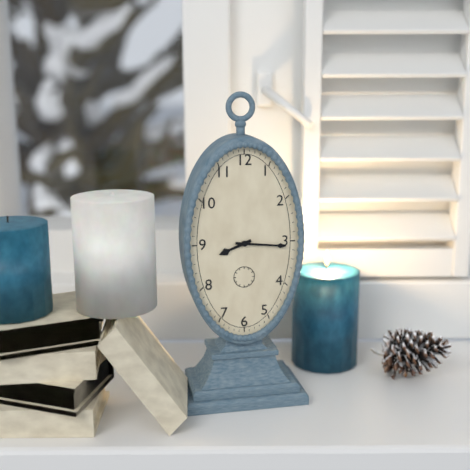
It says 8:16
